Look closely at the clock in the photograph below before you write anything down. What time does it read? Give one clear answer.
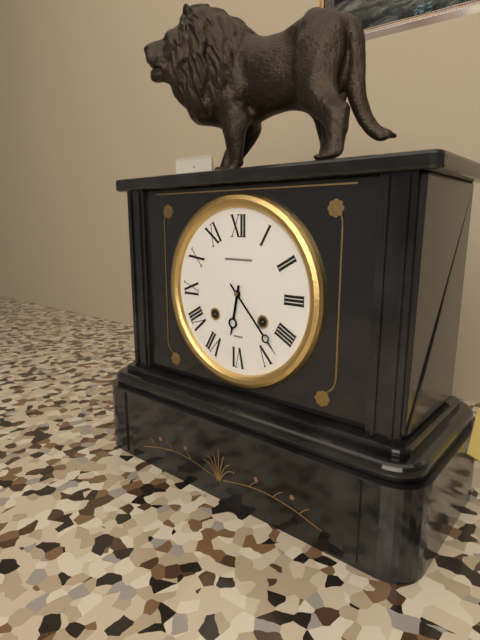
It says 6:23
